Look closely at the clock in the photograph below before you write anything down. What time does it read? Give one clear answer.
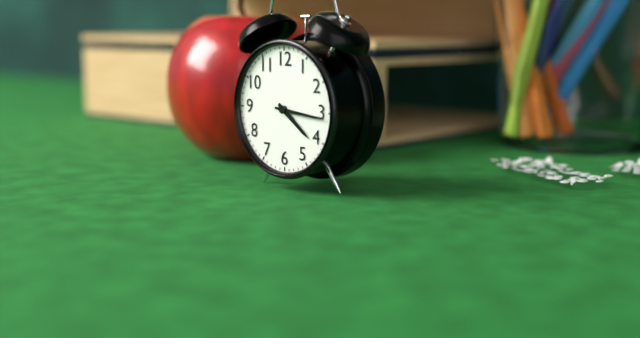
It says 4:16
